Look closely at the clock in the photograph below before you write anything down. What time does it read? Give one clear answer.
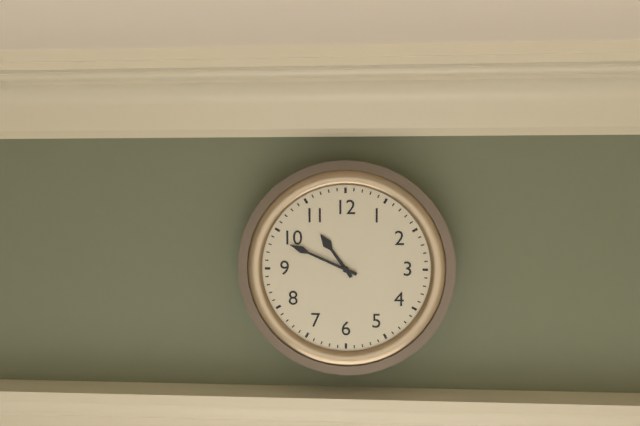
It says 10:49
